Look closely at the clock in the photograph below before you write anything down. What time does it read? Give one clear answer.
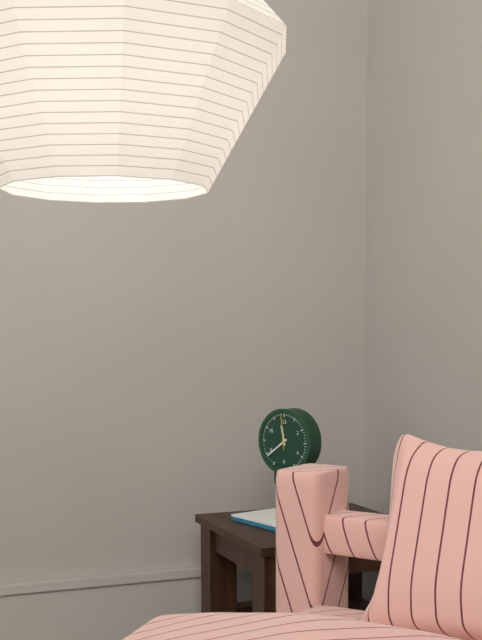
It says 11:39
